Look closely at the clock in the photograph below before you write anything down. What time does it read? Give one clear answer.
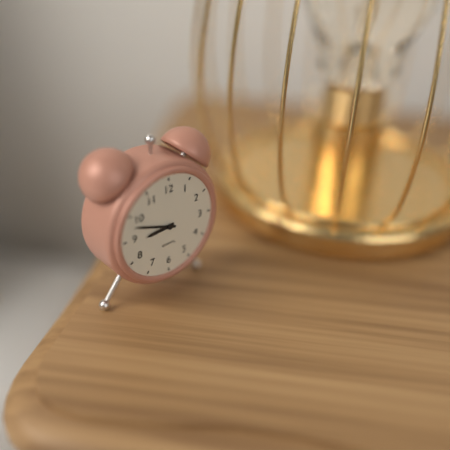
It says 8:48
